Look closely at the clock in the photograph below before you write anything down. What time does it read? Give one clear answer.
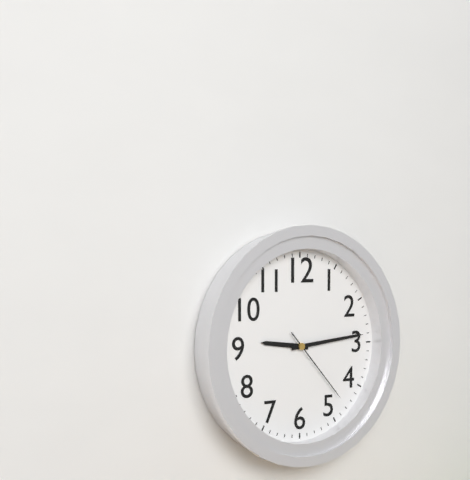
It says 9:14:23
